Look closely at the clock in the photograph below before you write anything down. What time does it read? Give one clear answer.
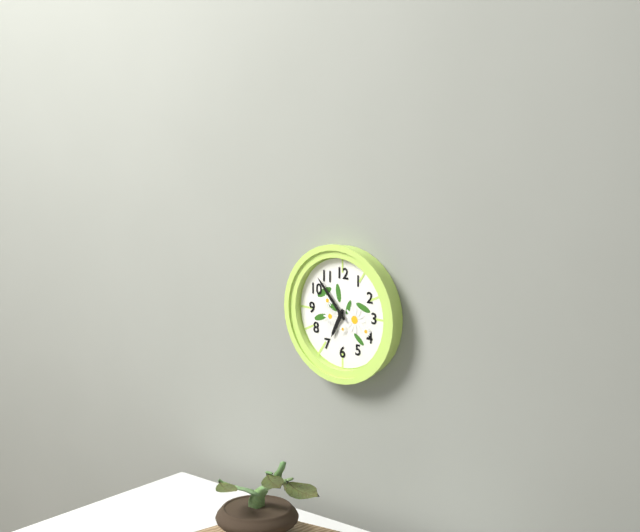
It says 6:53
